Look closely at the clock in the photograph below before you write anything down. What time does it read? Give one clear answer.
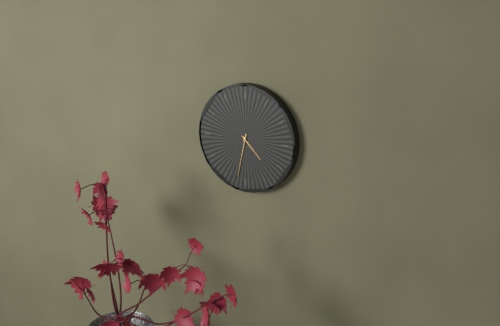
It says 4:32
